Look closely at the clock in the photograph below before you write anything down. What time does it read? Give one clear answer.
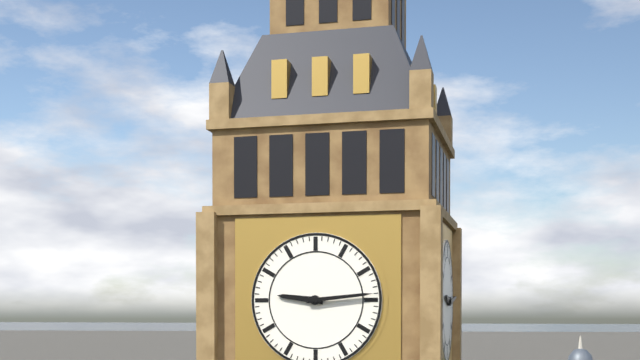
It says 9:14
